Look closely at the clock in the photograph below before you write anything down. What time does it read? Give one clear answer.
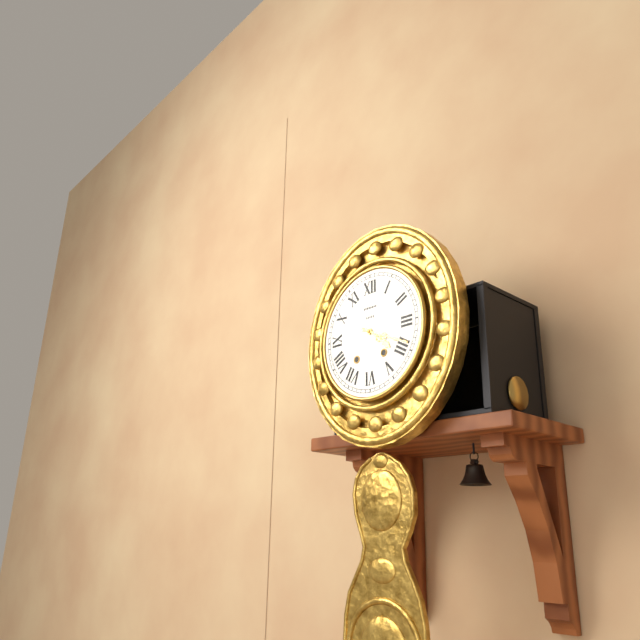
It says 4:19
